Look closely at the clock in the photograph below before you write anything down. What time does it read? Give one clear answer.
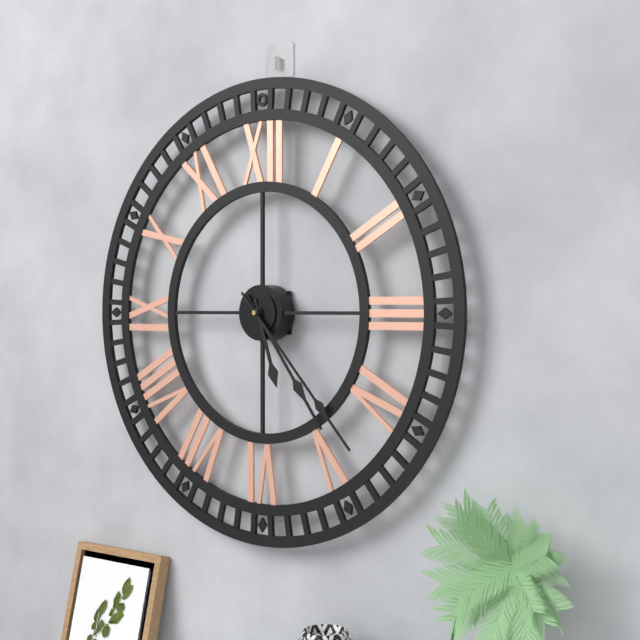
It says 5:24:23
